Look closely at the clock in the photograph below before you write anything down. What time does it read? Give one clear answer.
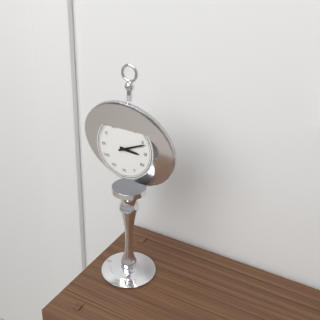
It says 3:11
